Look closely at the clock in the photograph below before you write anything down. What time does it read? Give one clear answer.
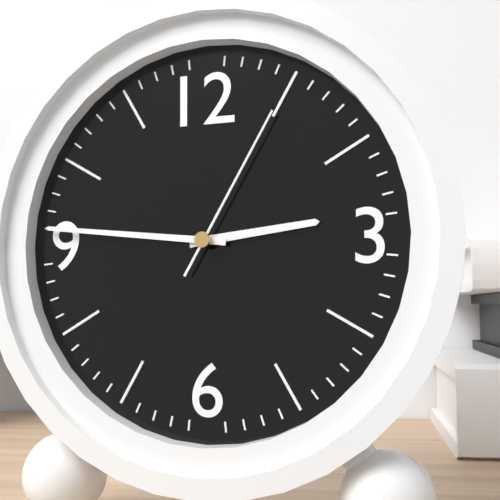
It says 2:46:05
